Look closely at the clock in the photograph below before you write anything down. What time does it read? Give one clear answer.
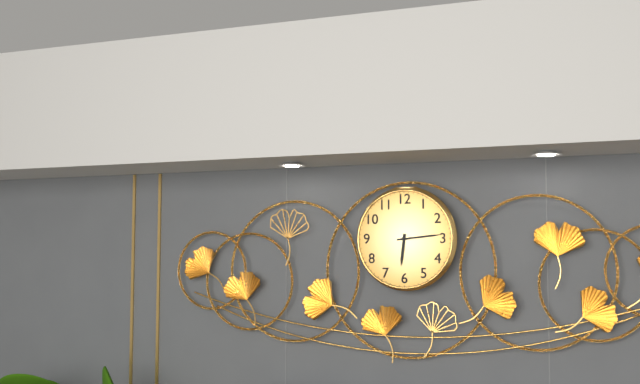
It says 6:14
